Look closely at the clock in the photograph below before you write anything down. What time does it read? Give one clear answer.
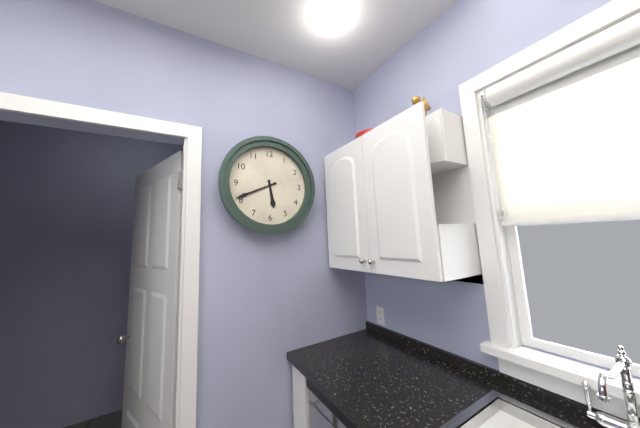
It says 5:41
